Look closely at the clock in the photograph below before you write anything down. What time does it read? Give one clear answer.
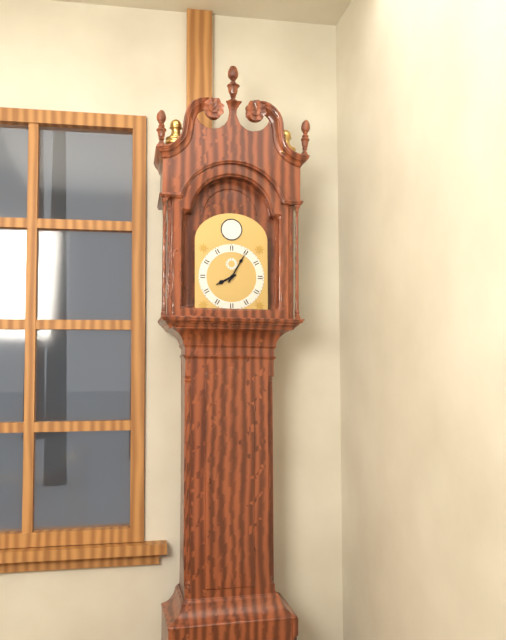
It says 8:05
